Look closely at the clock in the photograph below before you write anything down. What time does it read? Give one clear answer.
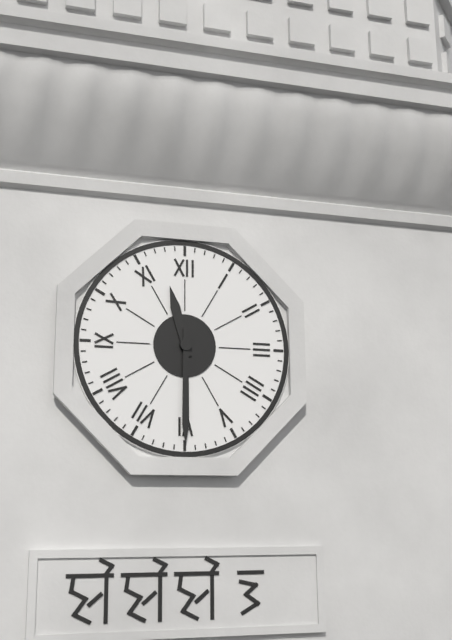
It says 11:30
